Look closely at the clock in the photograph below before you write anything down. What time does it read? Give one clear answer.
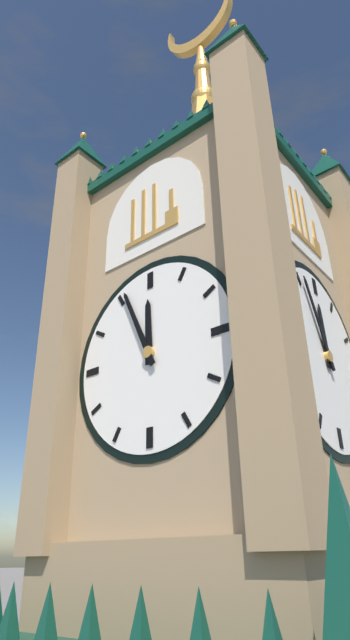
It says 11:56
